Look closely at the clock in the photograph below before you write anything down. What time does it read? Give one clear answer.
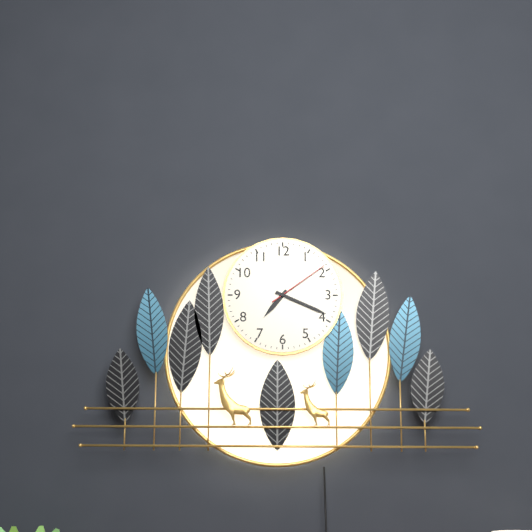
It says 7:19:09
